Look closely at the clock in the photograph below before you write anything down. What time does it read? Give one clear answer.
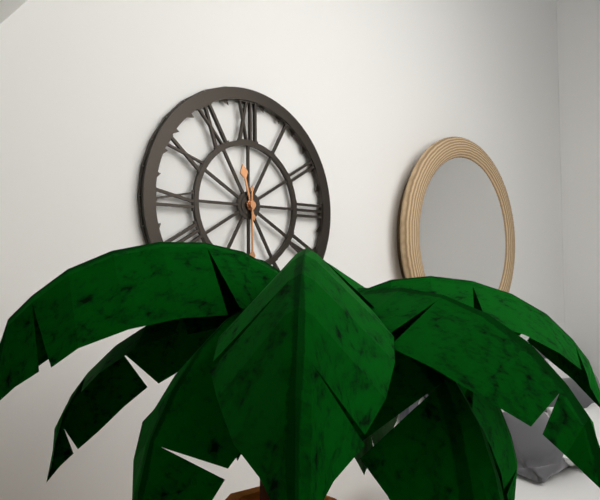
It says 11:30
